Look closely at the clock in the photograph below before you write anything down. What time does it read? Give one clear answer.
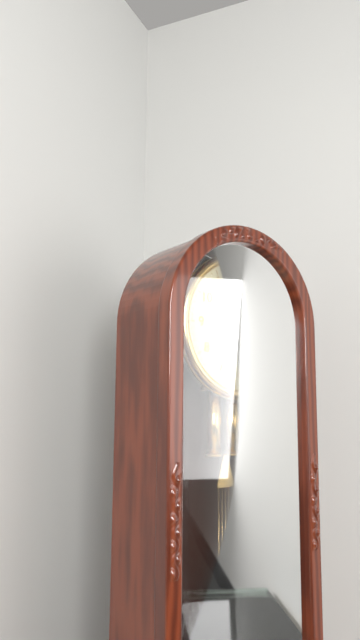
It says 10:25
